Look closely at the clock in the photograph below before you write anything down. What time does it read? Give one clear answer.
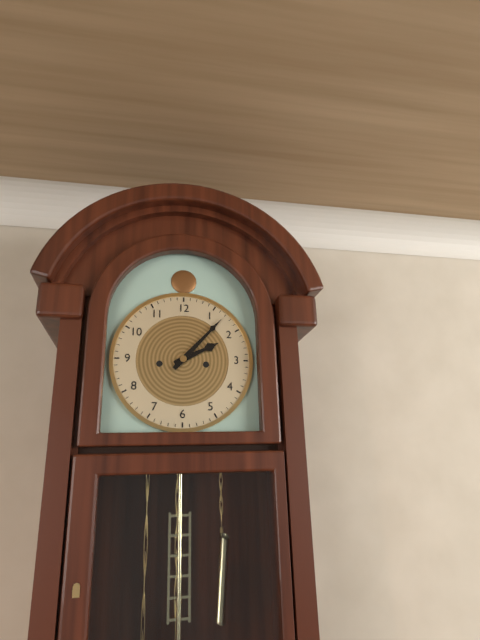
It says 2:07
